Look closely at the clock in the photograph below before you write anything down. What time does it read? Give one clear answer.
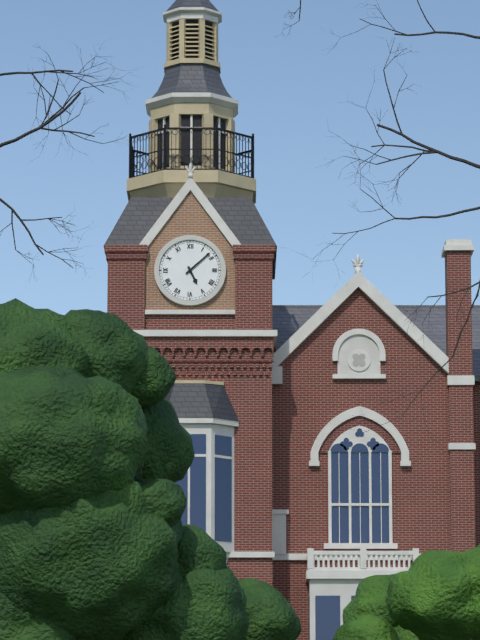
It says 5:08
